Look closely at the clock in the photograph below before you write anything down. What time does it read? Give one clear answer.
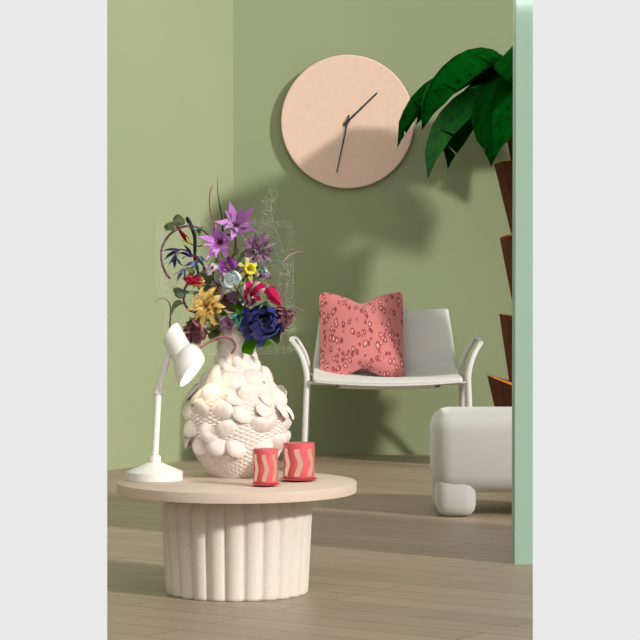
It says 1:32
